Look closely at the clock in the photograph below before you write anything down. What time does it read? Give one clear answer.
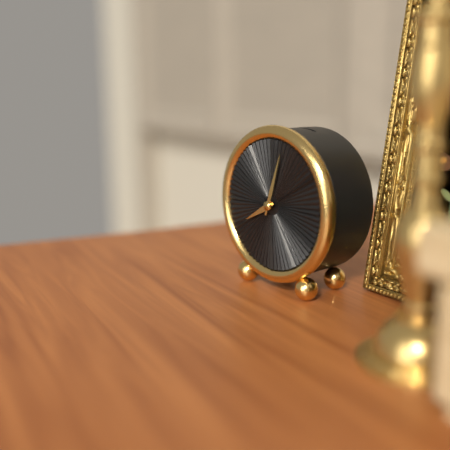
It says 8:03
